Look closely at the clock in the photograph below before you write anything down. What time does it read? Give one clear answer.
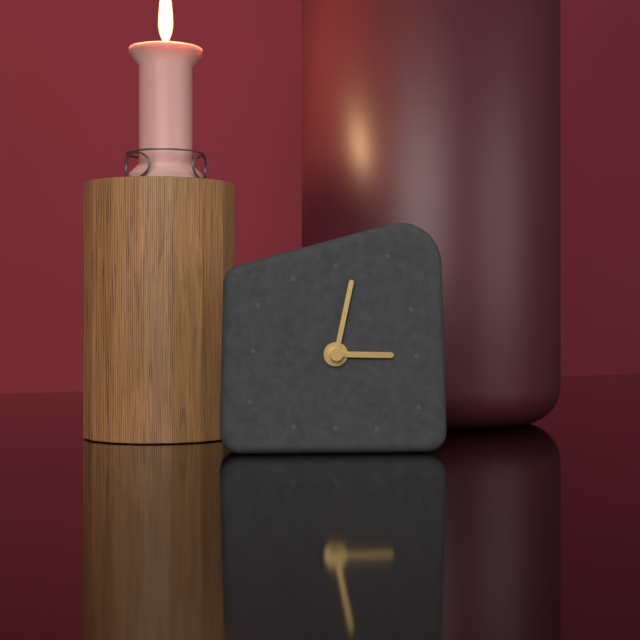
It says 3:02
